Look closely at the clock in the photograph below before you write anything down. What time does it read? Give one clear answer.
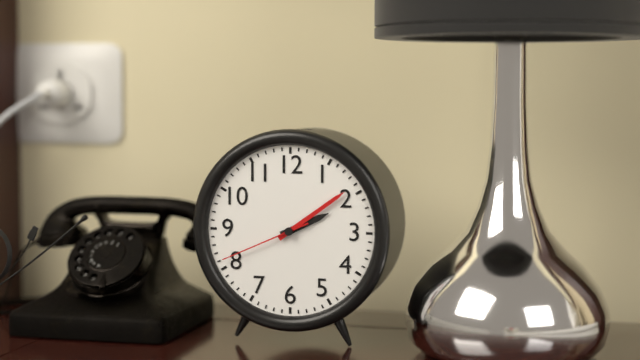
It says 2:09:41
